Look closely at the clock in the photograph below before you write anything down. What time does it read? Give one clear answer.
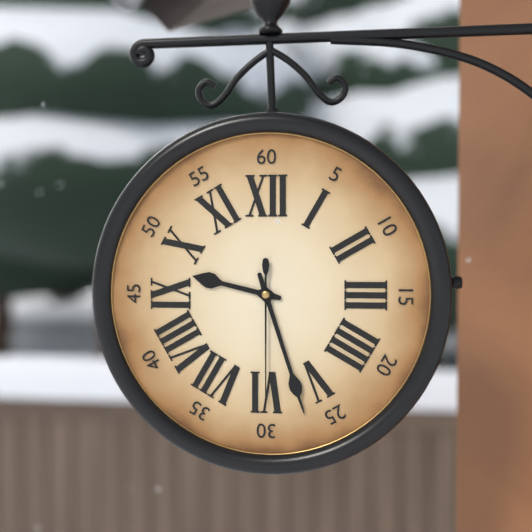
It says 9:27:30
